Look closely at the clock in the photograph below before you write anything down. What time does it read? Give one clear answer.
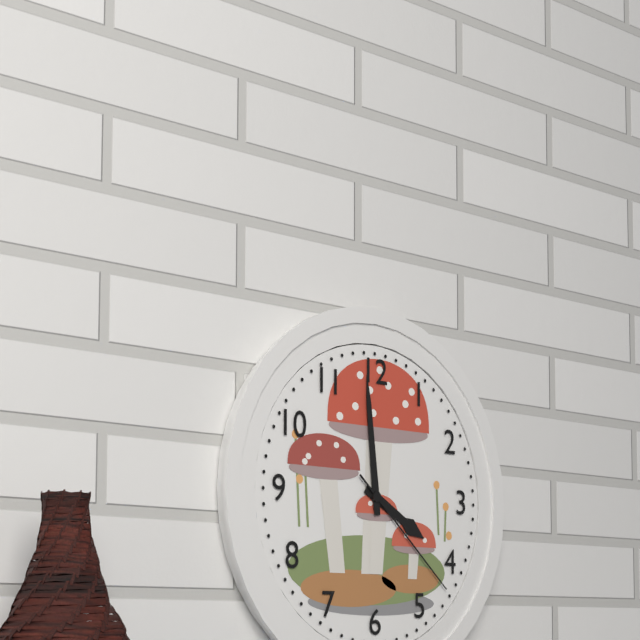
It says 3:59:22
